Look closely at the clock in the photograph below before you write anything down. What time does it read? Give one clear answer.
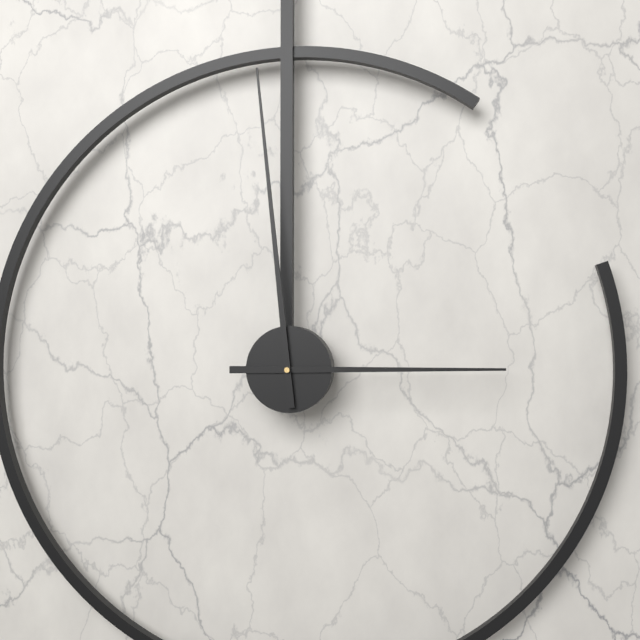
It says 2:59
